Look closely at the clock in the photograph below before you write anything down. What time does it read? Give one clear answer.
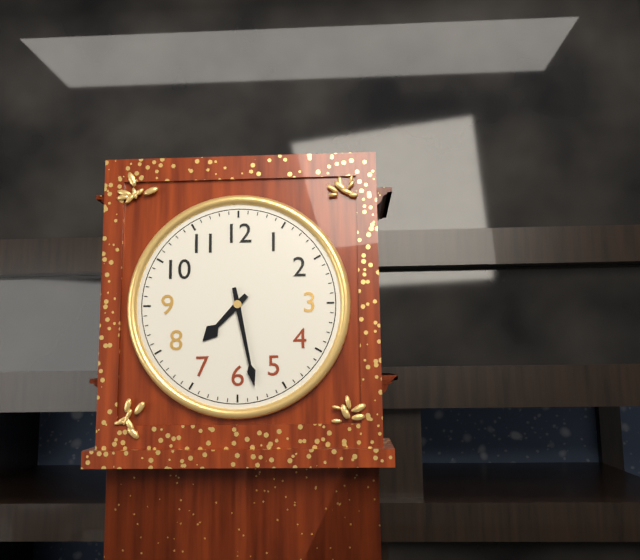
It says 7:28
